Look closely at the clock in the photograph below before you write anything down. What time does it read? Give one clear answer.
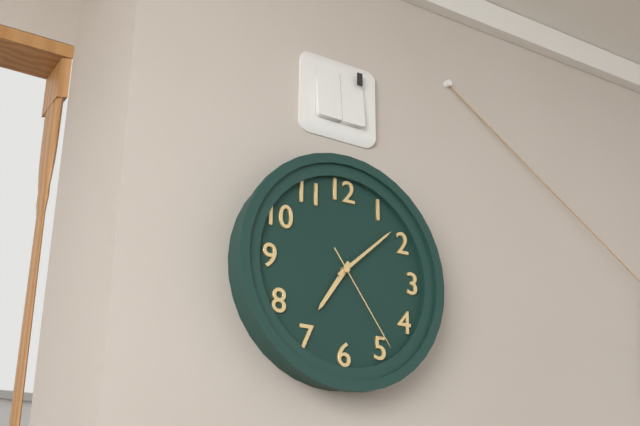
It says 7:08:24
